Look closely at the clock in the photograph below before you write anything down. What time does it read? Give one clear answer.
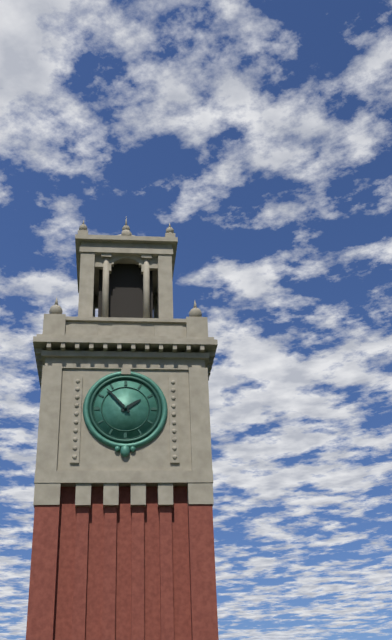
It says 1:53
